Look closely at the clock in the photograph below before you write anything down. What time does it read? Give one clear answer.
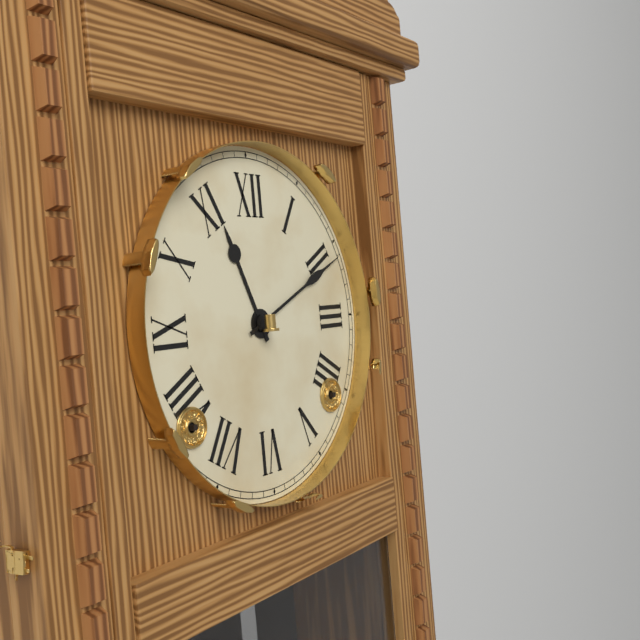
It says 11:11
